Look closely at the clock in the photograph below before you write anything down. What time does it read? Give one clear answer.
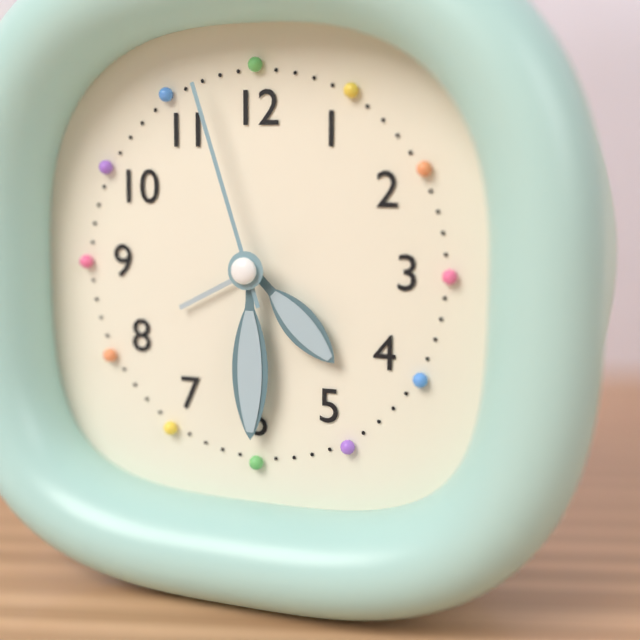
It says 4:30:57
